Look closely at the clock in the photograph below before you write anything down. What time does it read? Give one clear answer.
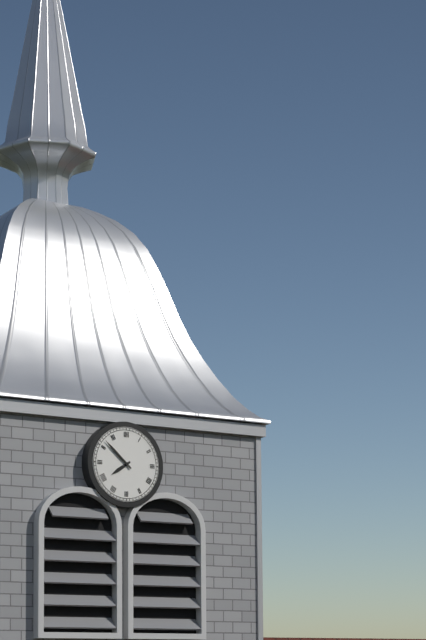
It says 7:52
